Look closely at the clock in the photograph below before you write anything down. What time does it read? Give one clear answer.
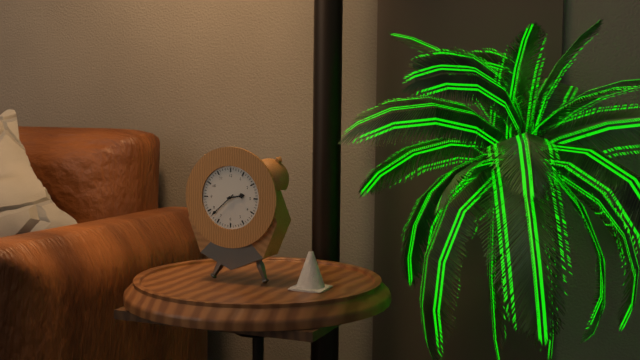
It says 2:38
